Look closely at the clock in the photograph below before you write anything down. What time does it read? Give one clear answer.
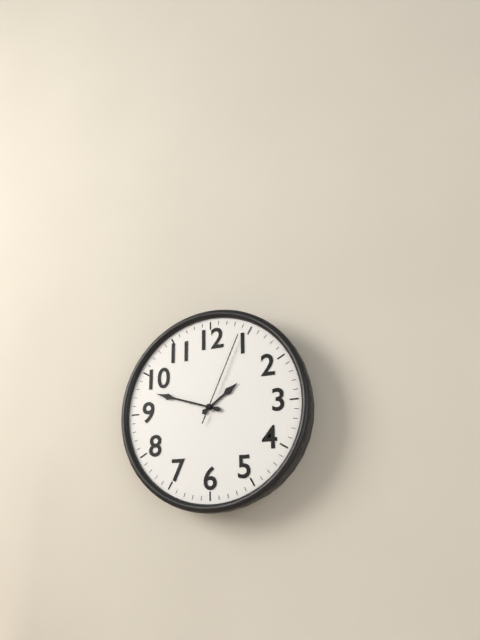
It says 1:48:04
